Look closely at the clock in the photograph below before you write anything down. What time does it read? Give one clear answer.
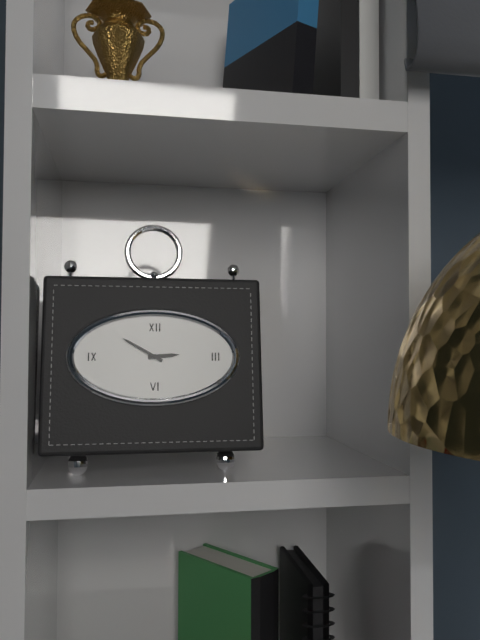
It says 2:50
